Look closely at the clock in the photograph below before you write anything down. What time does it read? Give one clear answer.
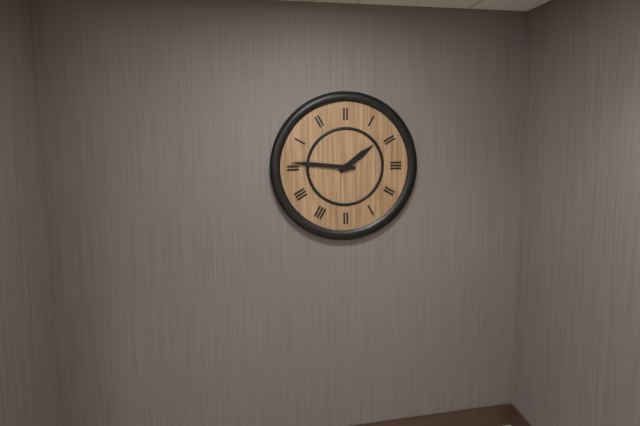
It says 1:46
